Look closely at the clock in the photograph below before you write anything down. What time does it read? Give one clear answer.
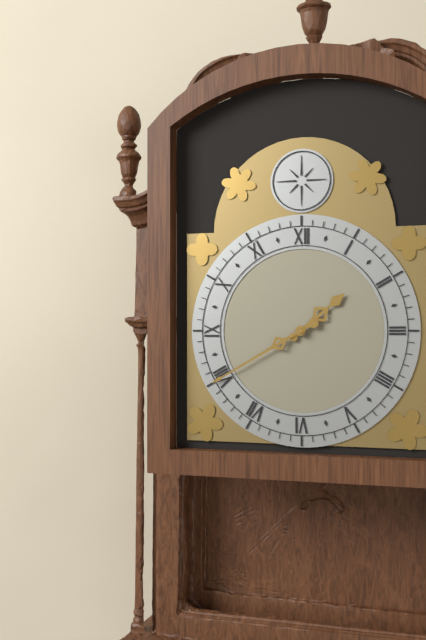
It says 1:40
